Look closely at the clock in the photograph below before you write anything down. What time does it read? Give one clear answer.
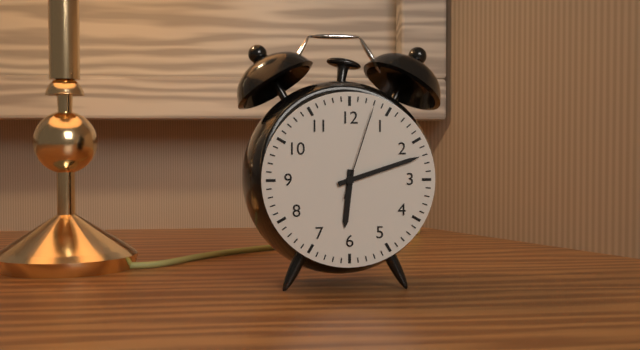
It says 6:12:03
